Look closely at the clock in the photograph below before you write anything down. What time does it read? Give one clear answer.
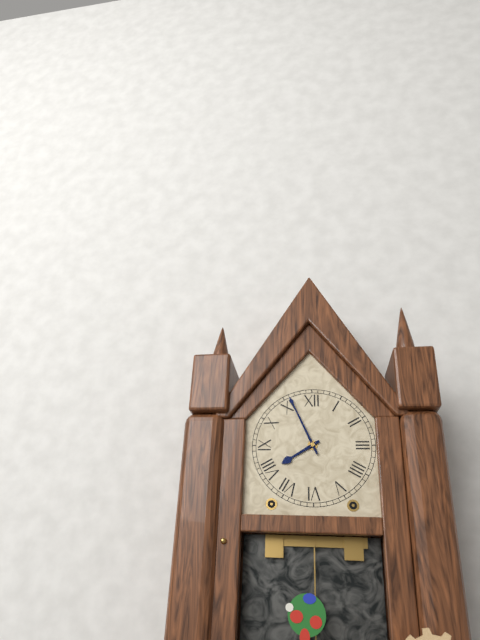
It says 7:56
